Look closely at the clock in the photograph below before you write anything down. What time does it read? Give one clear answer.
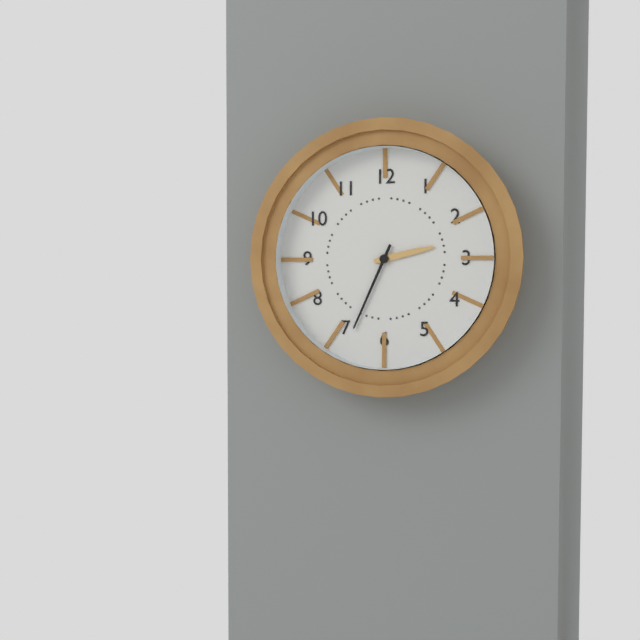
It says 2:34
